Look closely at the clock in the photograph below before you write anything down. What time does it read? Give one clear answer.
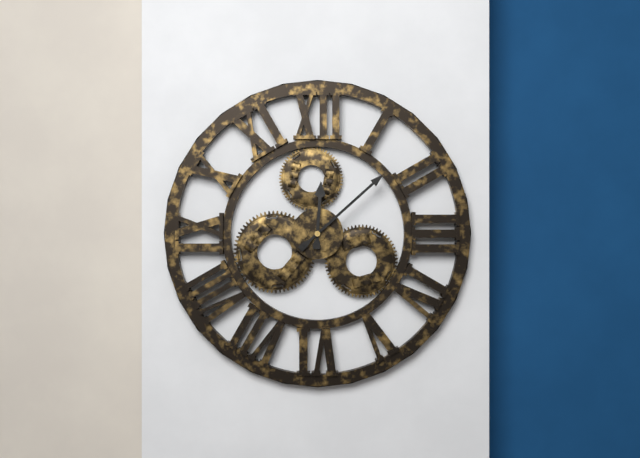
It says 12:08
